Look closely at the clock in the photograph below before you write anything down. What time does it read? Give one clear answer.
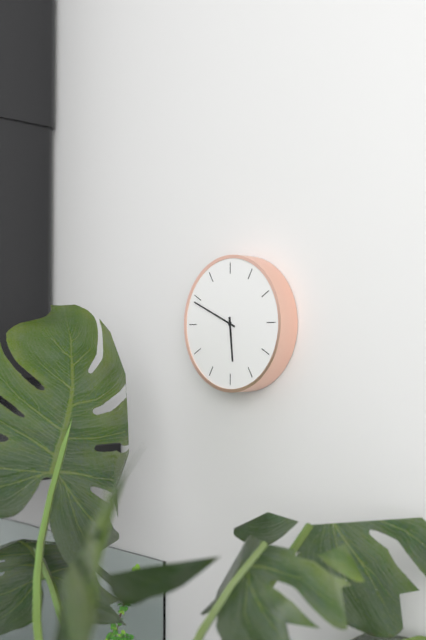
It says 5:49
